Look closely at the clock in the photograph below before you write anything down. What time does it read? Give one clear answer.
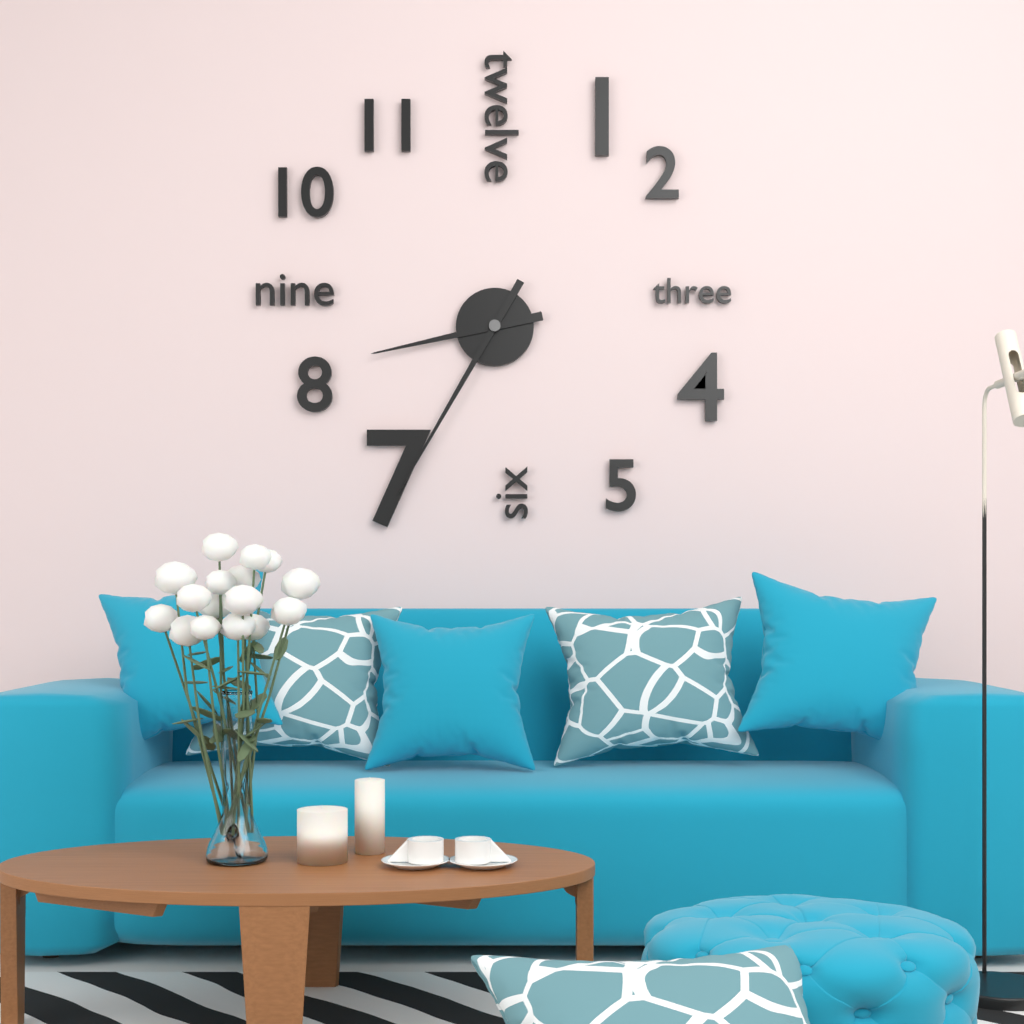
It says 8:35
